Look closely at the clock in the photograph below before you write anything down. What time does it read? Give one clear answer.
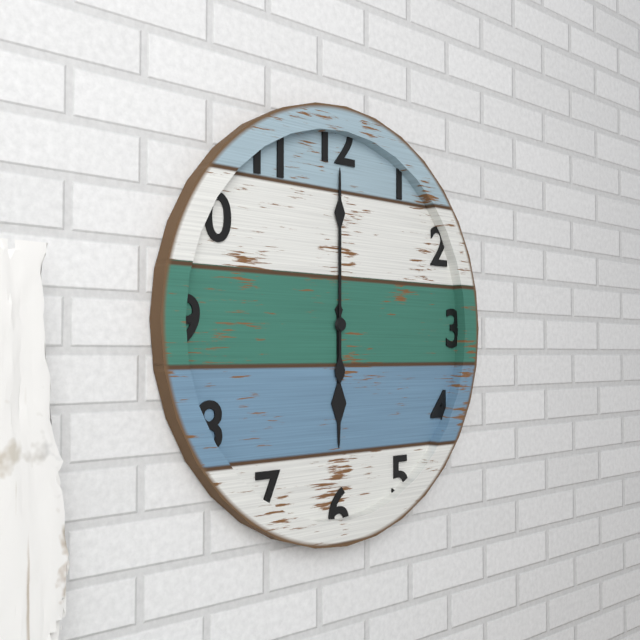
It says 6:00
